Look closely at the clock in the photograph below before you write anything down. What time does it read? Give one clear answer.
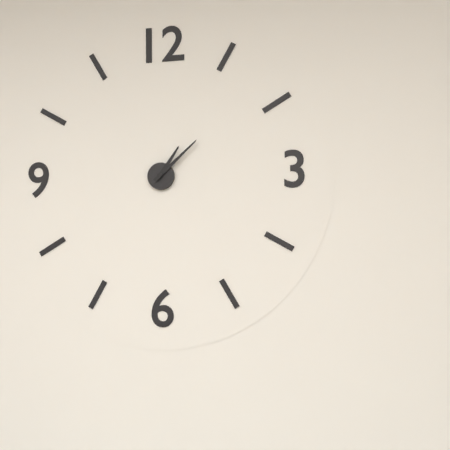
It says 1:08
